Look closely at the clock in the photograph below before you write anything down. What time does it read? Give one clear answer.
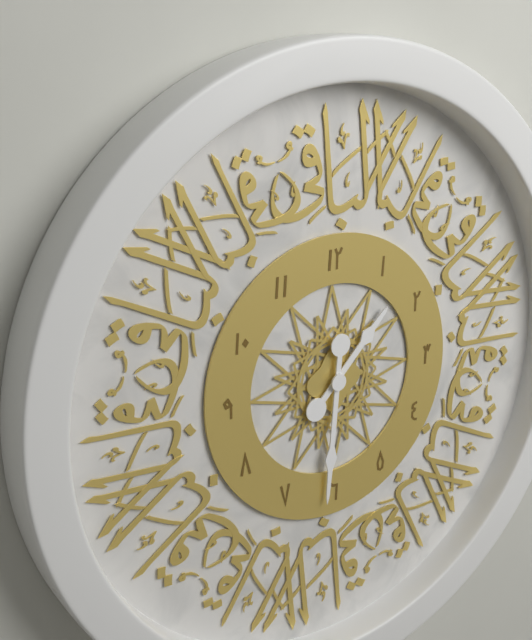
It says 1:31
